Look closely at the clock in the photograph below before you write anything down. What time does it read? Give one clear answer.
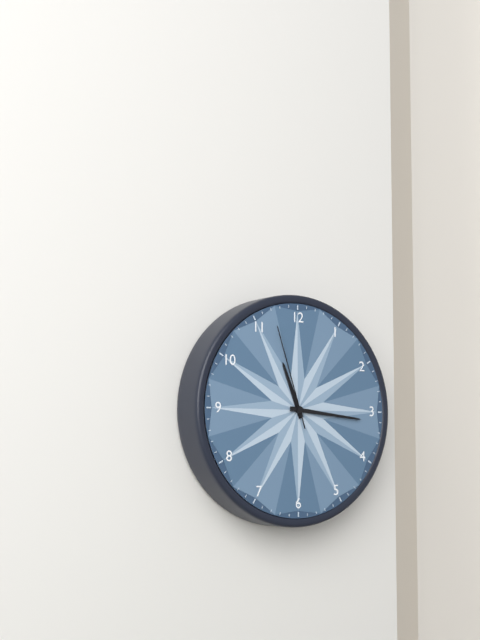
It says 11:16:57
